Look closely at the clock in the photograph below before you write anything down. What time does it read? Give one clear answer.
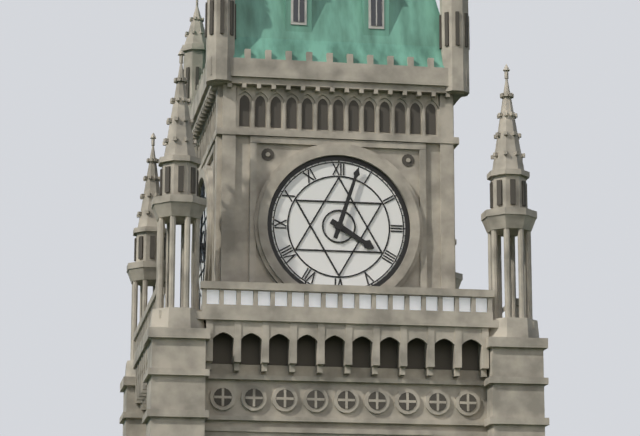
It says 4:03
